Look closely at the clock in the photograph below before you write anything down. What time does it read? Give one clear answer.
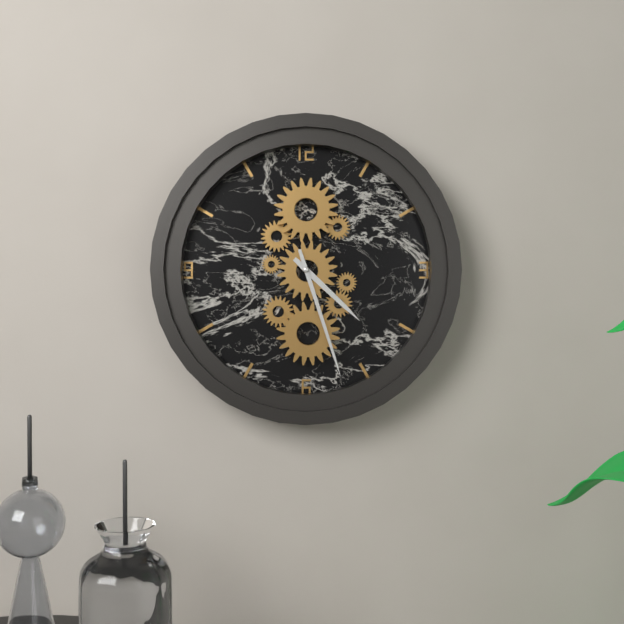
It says 4:27
